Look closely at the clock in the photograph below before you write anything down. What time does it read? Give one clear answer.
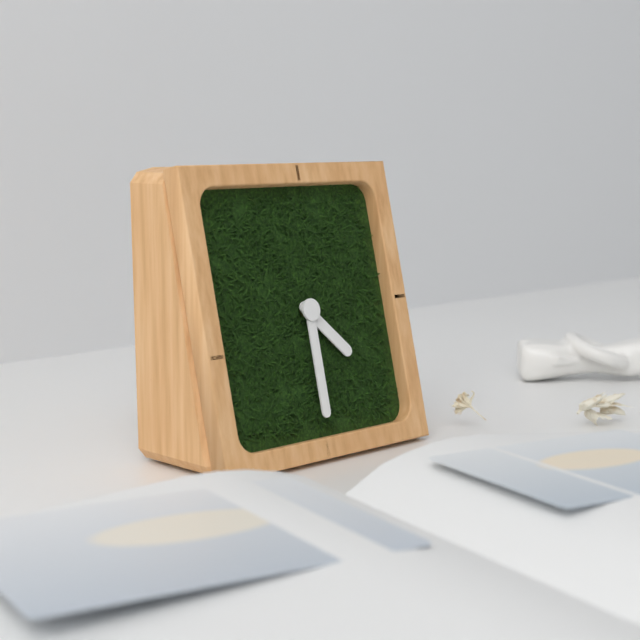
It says 4:30
